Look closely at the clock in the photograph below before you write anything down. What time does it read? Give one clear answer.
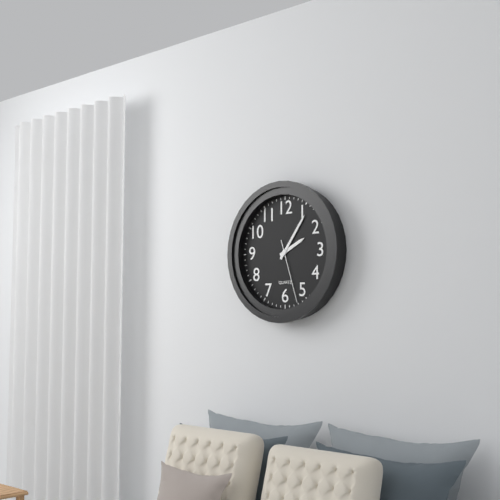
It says 2:06:27
